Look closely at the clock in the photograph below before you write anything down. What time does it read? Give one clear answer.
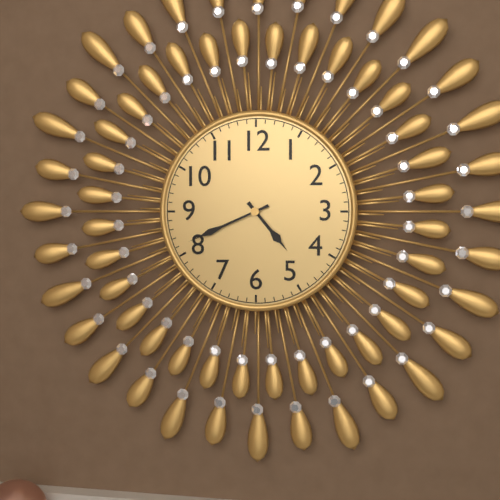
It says 4:41
